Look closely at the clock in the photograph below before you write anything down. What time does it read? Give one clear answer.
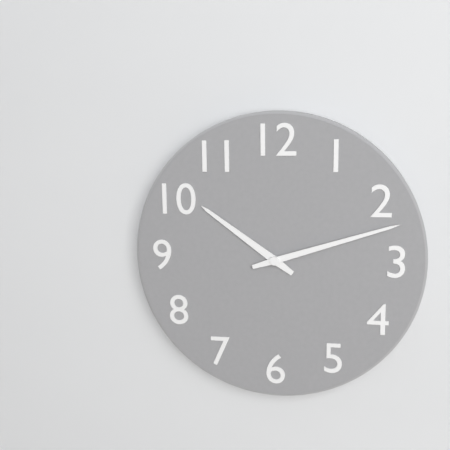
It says 10:12
